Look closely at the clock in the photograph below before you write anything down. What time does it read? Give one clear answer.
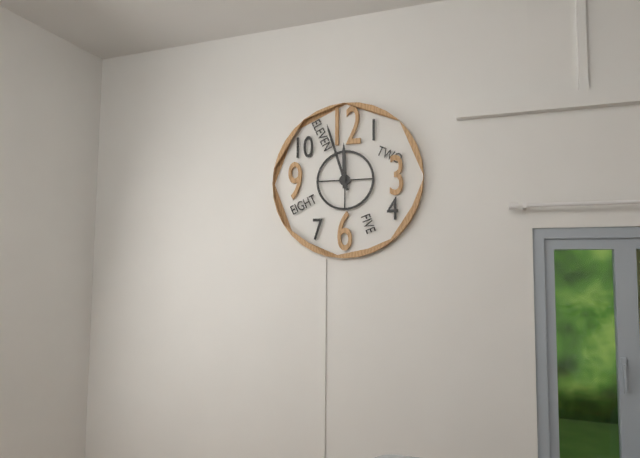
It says 11:57
